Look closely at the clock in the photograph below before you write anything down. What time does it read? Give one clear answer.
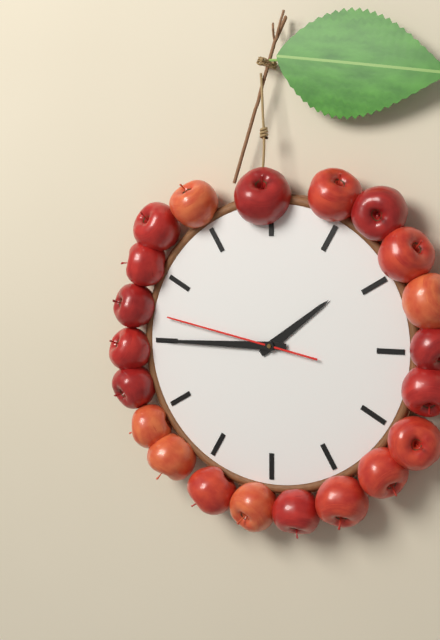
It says 1:45:47
